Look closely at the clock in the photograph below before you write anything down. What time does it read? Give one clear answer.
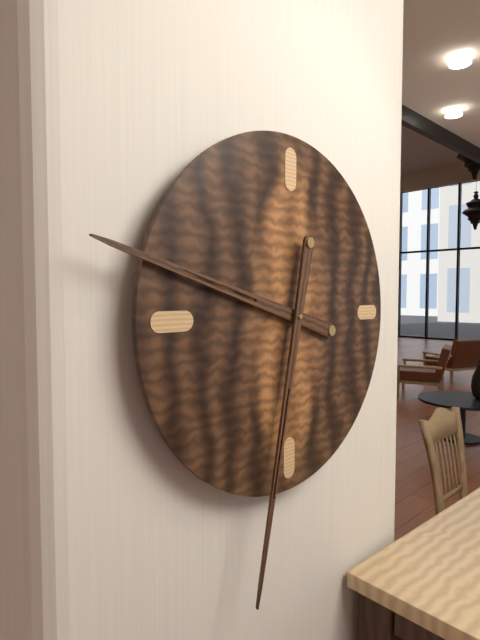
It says 9:32
